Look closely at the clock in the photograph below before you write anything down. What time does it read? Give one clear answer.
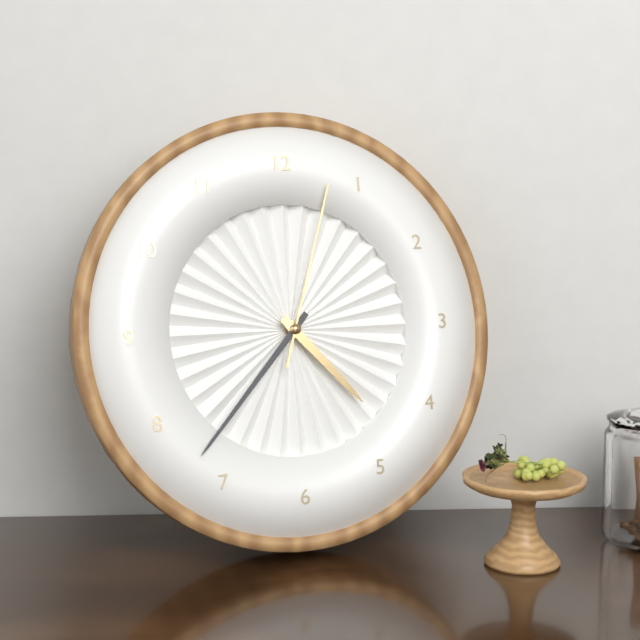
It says 4:37:03
